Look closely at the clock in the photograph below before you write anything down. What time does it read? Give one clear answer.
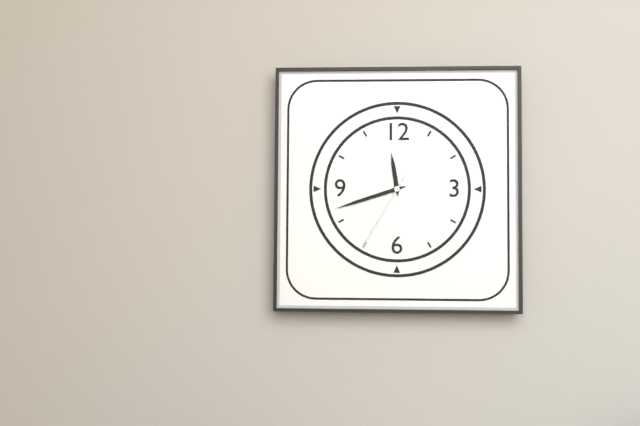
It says 11:42:35
